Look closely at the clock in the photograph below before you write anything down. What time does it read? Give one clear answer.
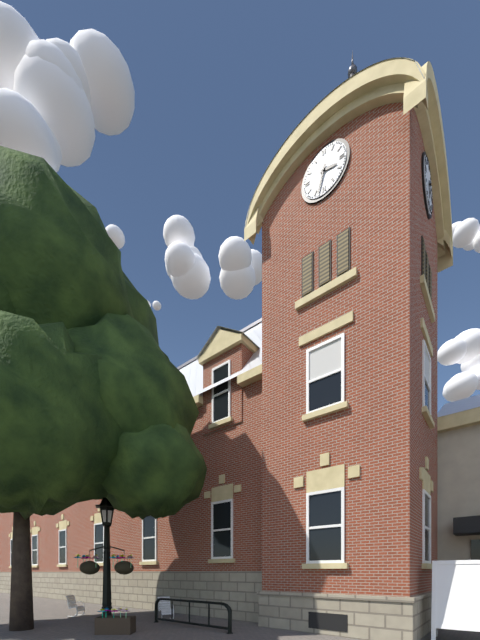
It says 3:33
